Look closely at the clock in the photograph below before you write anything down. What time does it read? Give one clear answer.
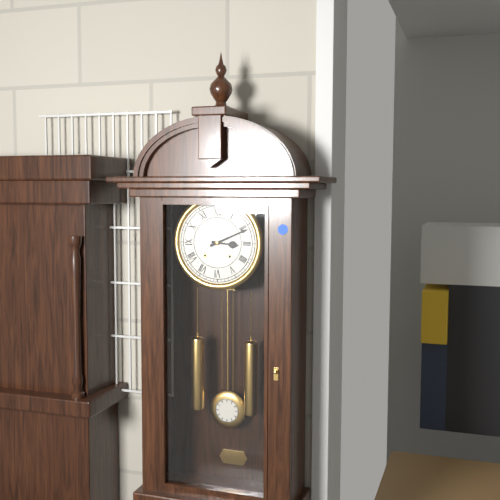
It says 3:11
